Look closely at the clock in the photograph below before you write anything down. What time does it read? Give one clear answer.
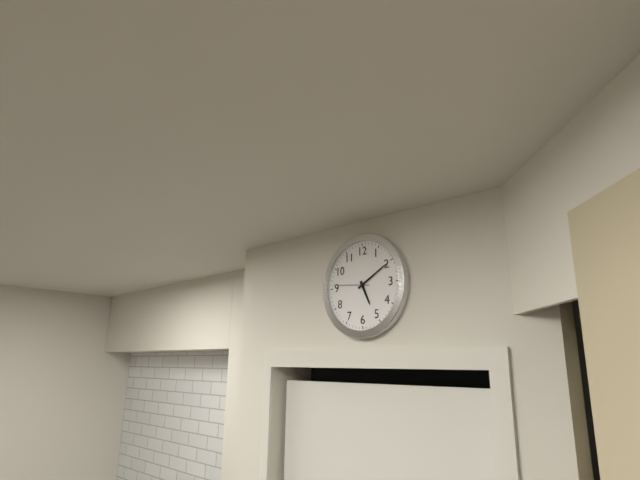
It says 5:10
